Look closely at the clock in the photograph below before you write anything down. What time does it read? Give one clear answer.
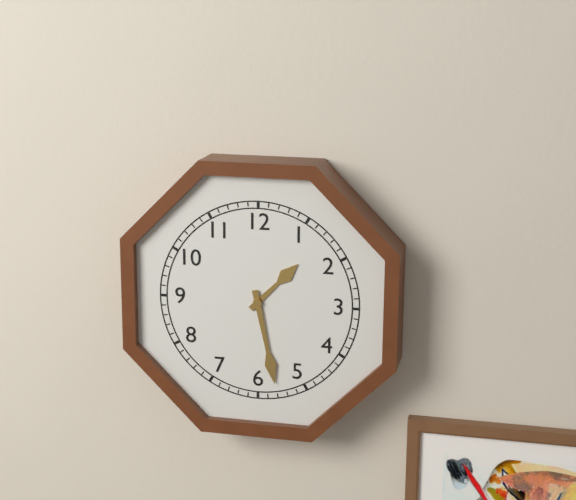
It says 1:28
